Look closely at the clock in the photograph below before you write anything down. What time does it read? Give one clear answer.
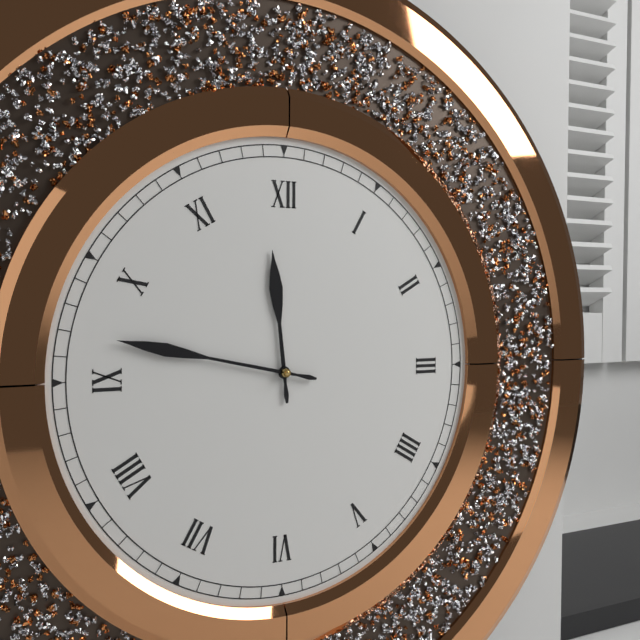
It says 11:47
